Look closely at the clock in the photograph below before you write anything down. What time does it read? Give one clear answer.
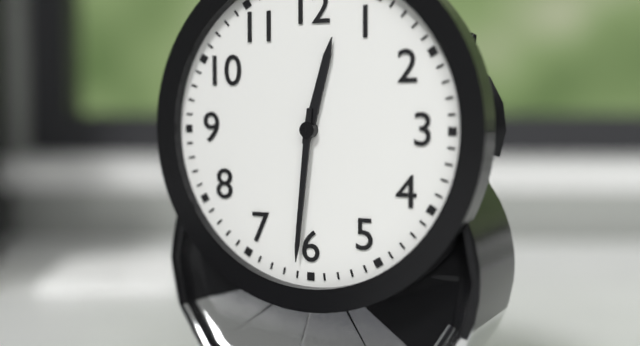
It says 12:31
